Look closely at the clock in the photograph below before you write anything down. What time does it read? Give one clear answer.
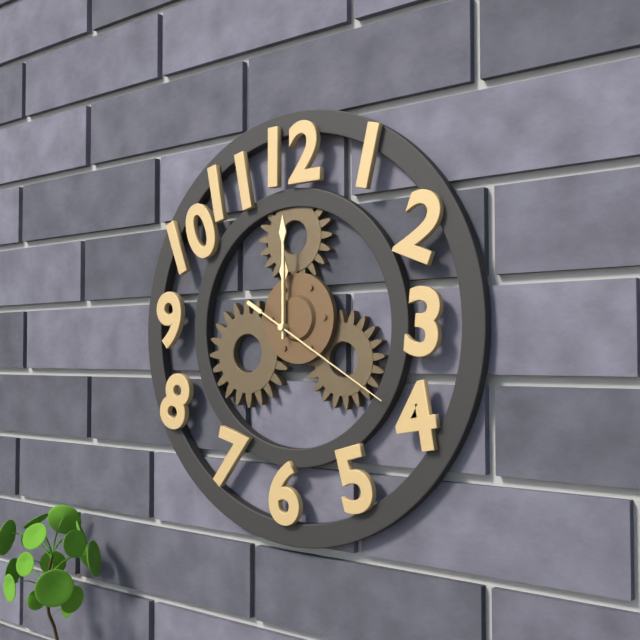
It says 12:00:20
